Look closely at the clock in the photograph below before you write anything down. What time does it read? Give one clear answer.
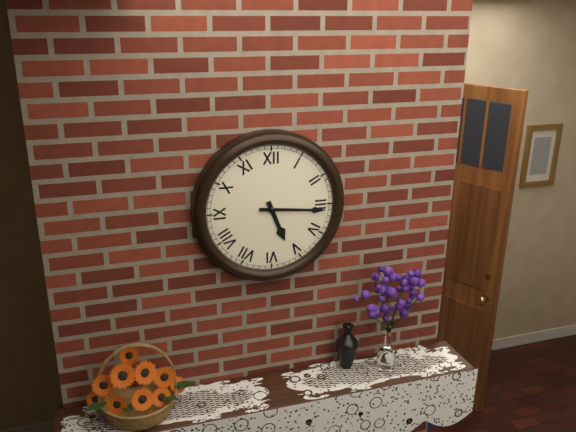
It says 5:16
